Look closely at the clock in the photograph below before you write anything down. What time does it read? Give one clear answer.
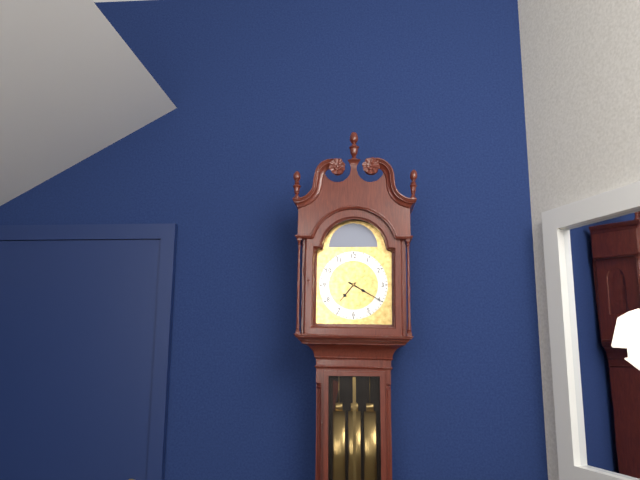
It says 7:20
